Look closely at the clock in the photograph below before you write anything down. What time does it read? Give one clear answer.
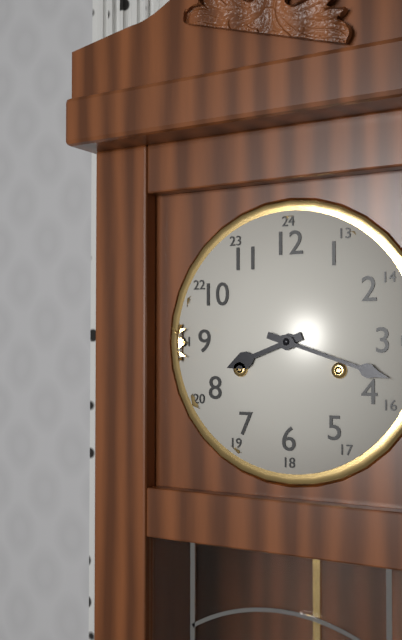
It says 8:18
